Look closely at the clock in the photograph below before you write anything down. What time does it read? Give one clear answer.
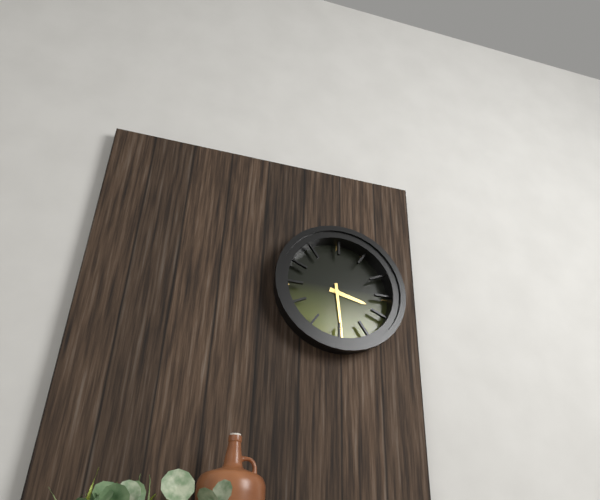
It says 3:29
